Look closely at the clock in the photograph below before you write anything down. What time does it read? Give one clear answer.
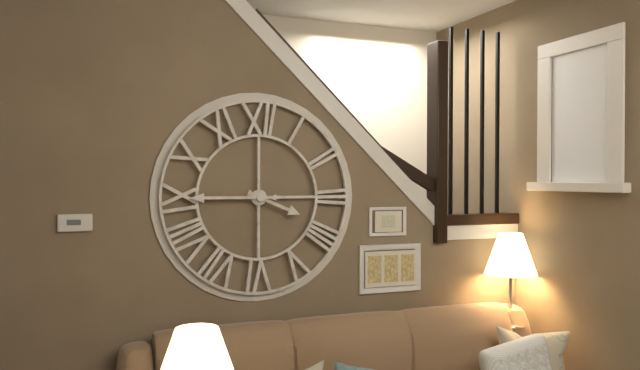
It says 3:45
